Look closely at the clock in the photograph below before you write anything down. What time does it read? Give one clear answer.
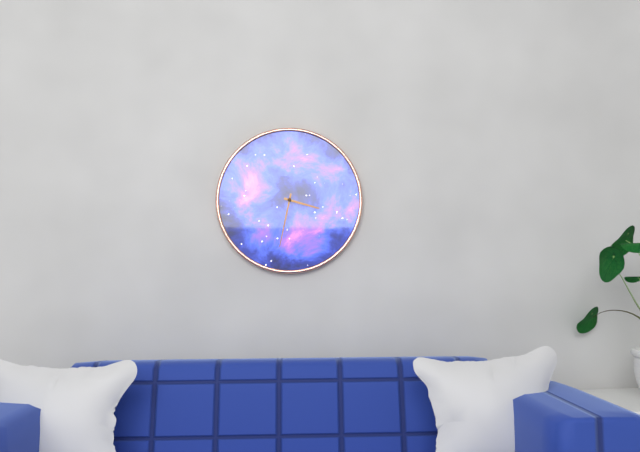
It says 3:32
